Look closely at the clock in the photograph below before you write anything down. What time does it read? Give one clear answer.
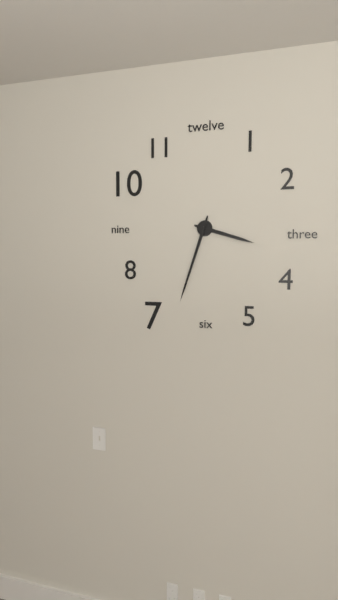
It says 3:33
